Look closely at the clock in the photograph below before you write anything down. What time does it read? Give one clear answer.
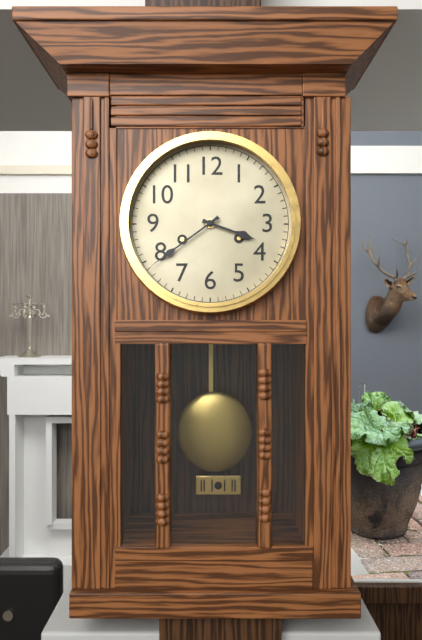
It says 3:39
